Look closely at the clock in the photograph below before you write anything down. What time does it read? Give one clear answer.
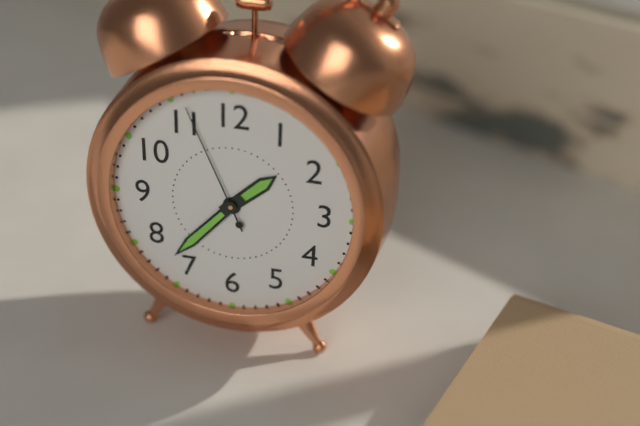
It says 1:37:56
